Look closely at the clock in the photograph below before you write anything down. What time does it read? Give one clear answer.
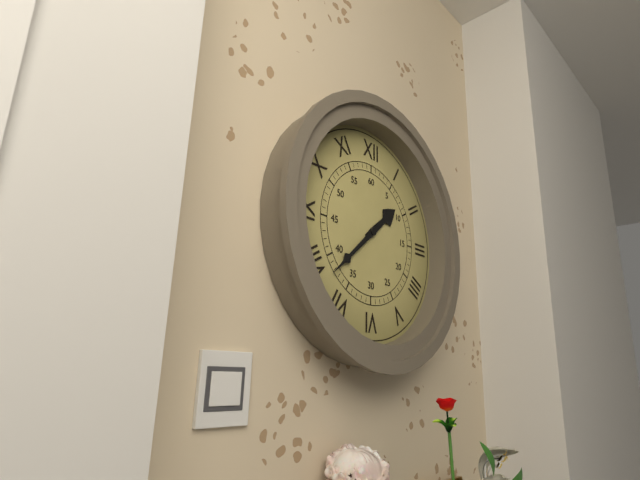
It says 1:38
